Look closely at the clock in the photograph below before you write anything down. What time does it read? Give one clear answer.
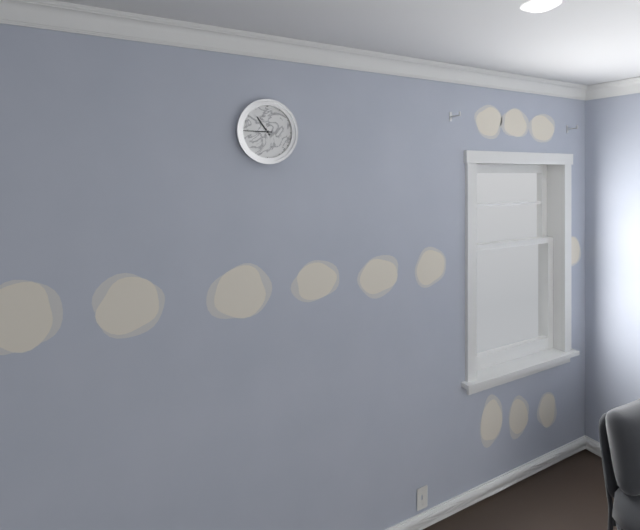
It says 10:45
